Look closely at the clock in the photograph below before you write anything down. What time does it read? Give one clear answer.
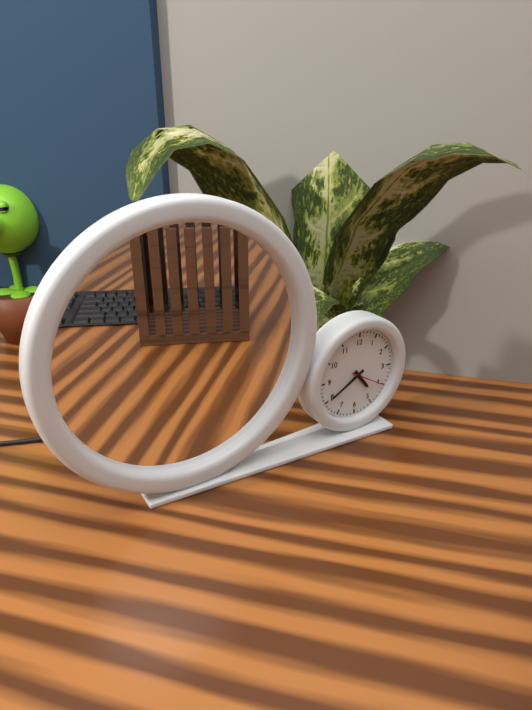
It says 4:40
